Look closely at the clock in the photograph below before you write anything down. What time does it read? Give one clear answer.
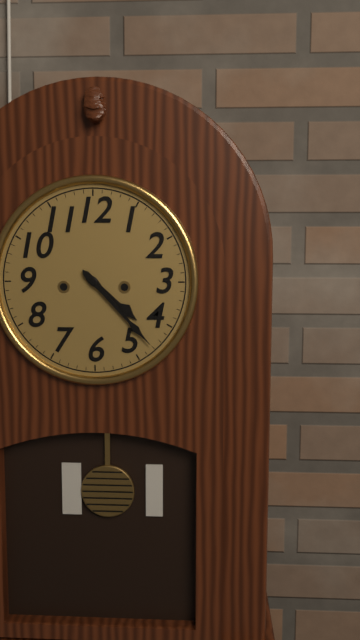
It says 4:23
